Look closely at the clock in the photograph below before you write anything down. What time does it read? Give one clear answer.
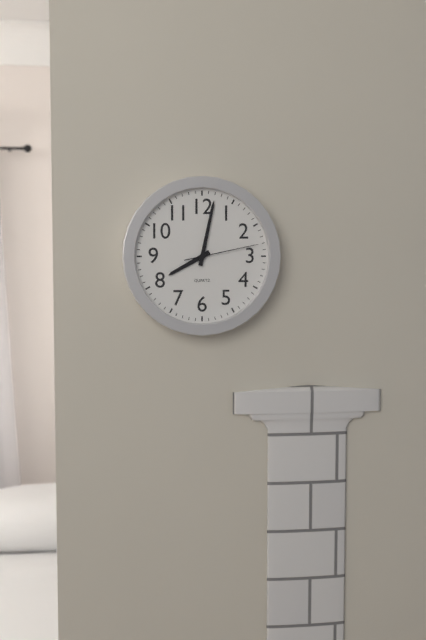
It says 8:02:13
